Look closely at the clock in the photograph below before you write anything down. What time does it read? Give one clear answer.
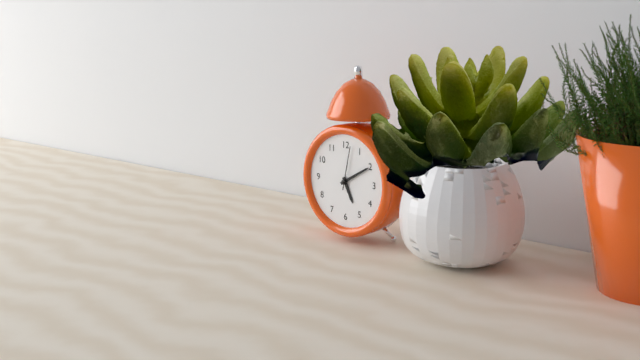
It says 5:10
